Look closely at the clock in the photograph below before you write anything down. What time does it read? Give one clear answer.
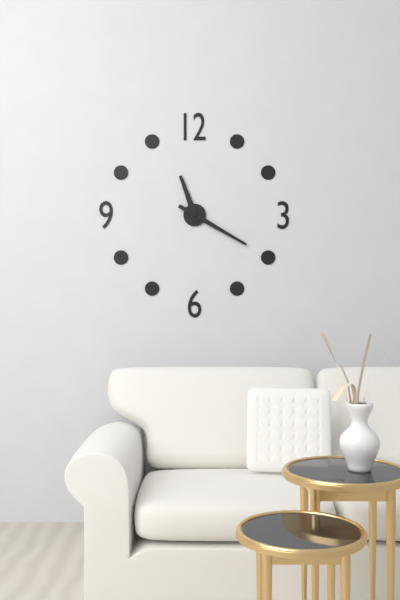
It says 11:20
